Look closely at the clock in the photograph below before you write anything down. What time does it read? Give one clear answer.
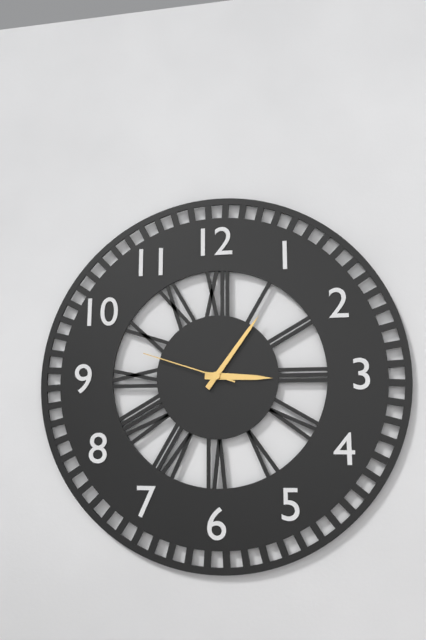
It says 3:06:48
